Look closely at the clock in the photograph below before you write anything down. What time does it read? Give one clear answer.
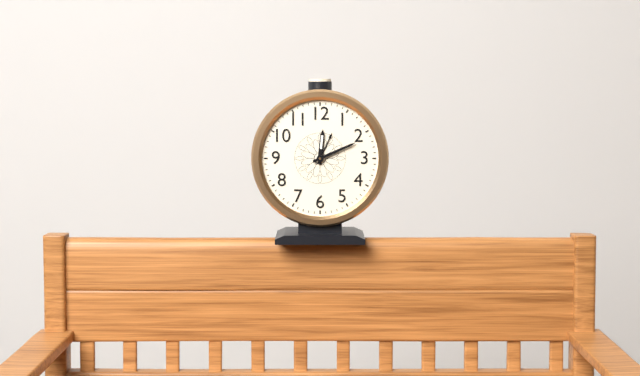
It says 12:11
